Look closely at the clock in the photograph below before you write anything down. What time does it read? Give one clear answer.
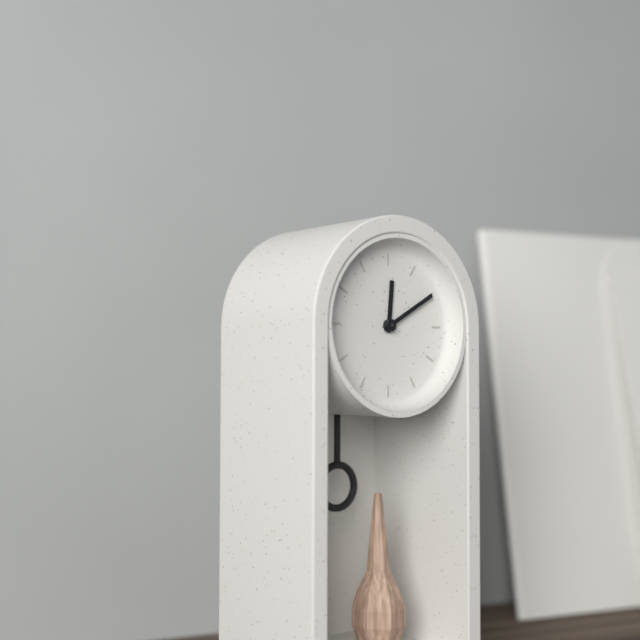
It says 12:10
